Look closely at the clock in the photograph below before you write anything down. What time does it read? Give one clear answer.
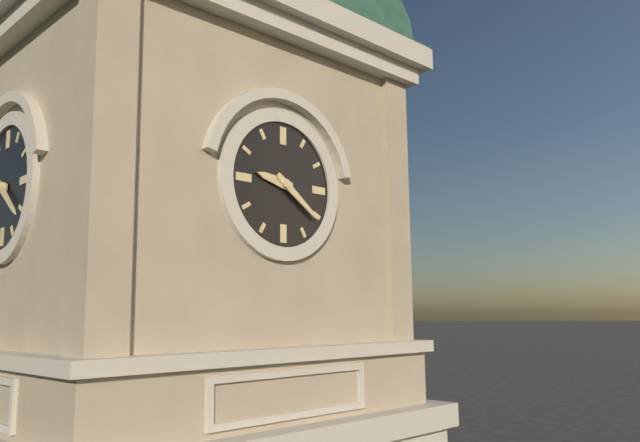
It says 9:21
